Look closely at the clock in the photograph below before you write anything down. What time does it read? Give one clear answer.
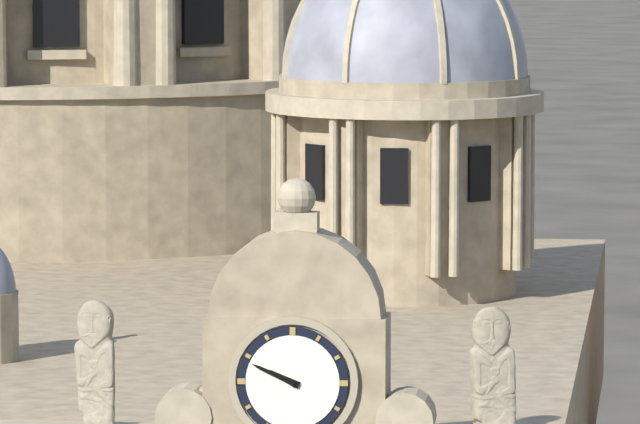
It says 9:49
